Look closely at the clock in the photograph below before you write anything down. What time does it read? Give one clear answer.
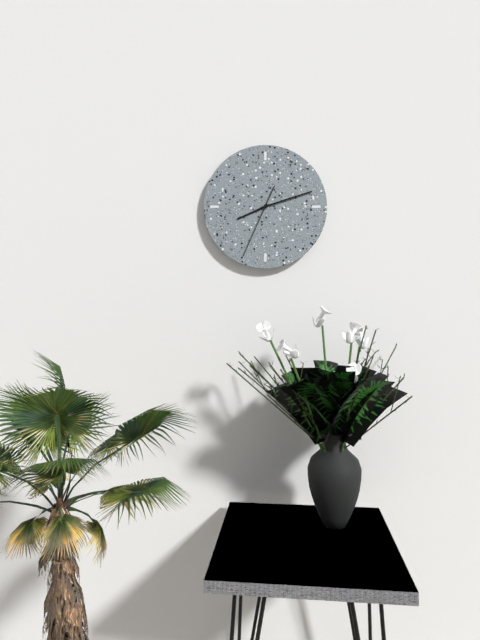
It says 8:12:34
